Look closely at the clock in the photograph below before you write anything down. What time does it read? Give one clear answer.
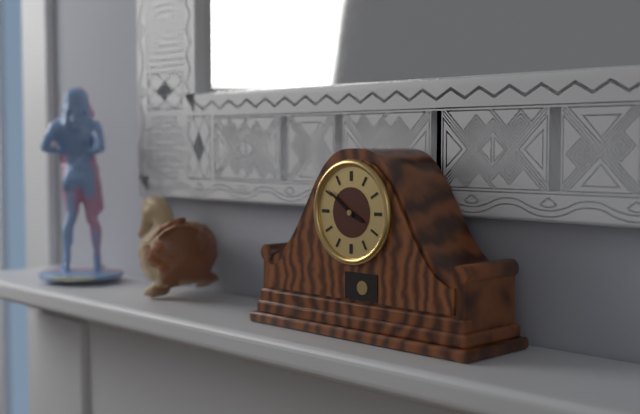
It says 3:51
